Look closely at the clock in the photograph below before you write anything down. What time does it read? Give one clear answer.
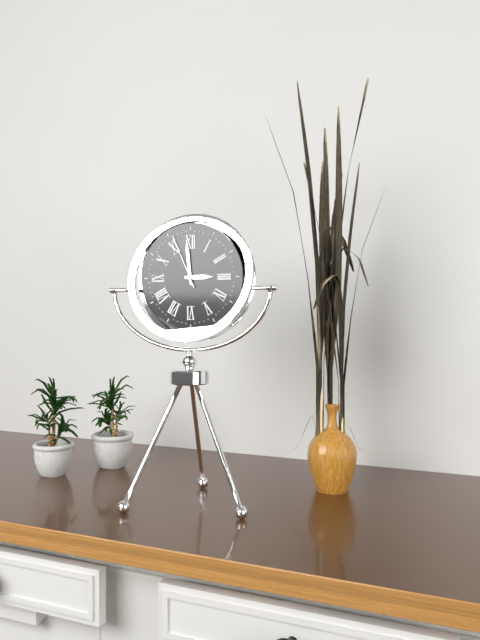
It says 2:59:56
